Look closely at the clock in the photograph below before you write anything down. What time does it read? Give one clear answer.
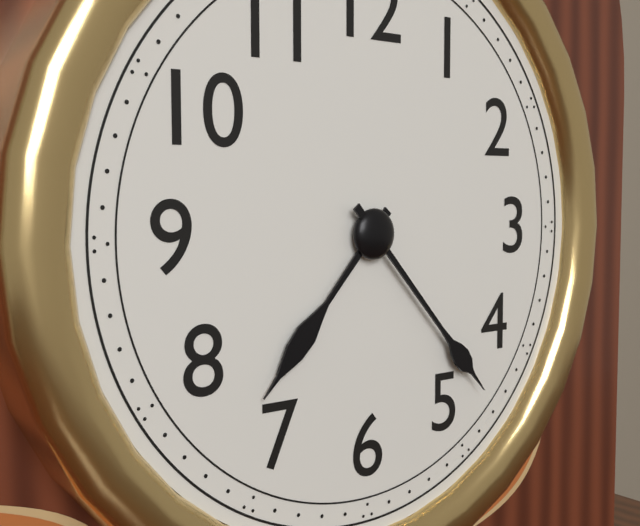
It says 7:23
